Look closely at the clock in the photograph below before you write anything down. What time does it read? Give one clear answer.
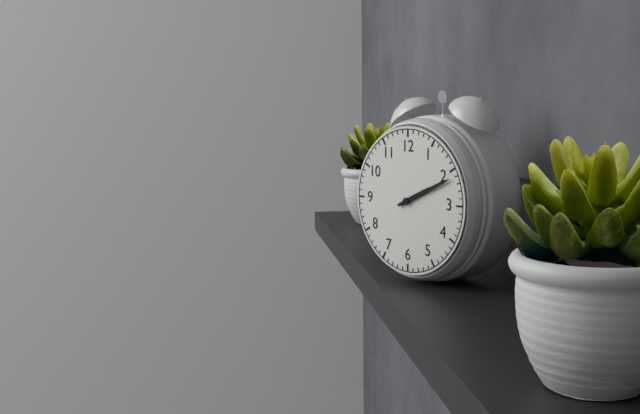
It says 2:11
